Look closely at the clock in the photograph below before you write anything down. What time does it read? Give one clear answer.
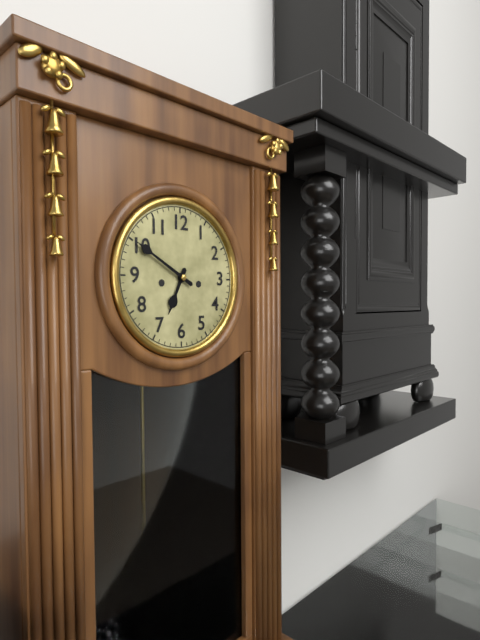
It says 6:50
